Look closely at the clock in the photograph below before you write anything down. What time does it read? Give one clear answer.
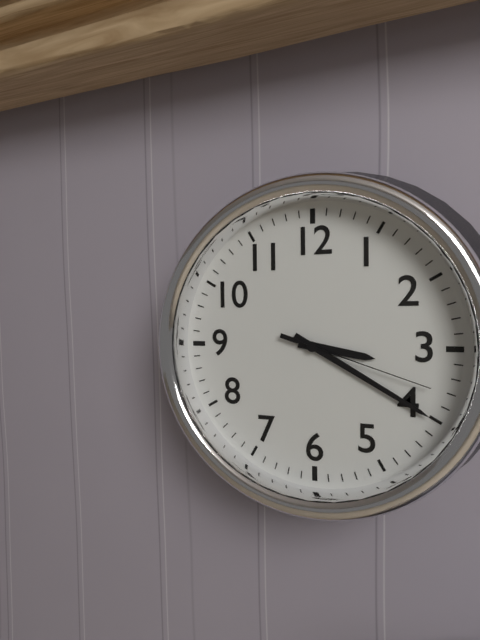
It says 3:20:18
